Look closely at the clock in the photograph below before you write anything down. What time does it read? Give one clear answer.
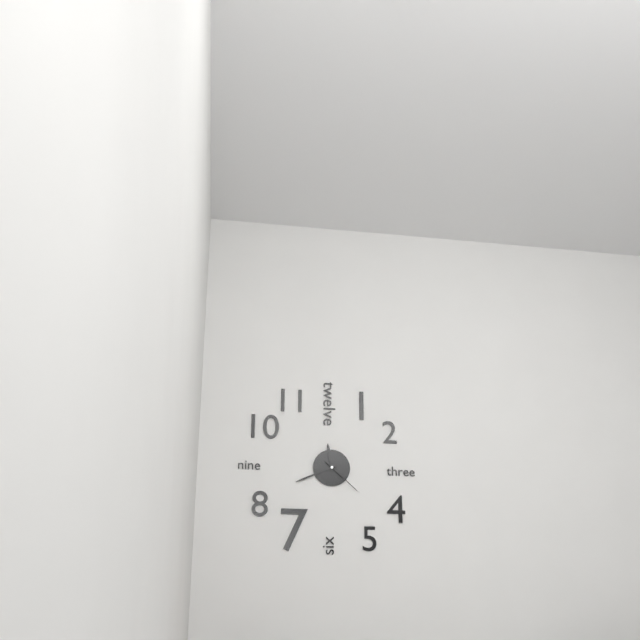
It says 11:41
